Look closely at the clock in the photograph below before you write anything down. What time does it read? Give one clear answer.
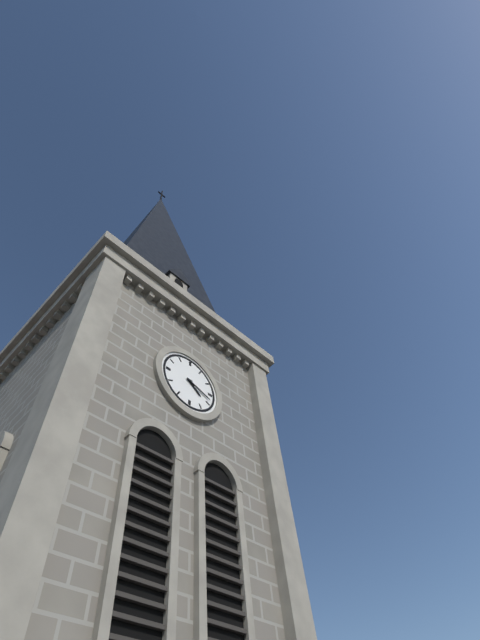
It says 4:18
